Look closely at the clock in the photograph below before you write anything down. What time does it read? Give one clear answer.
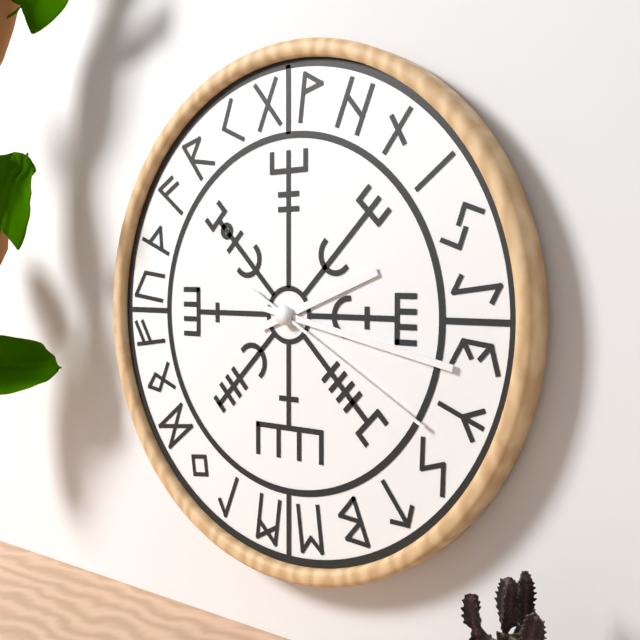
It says 2:17:20
